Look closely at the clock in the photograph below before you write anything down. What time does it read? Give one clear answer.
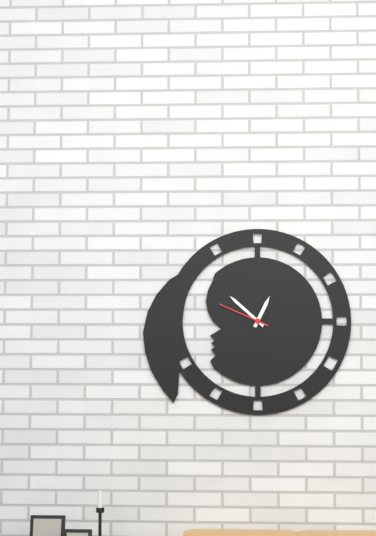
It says 12:52:49
